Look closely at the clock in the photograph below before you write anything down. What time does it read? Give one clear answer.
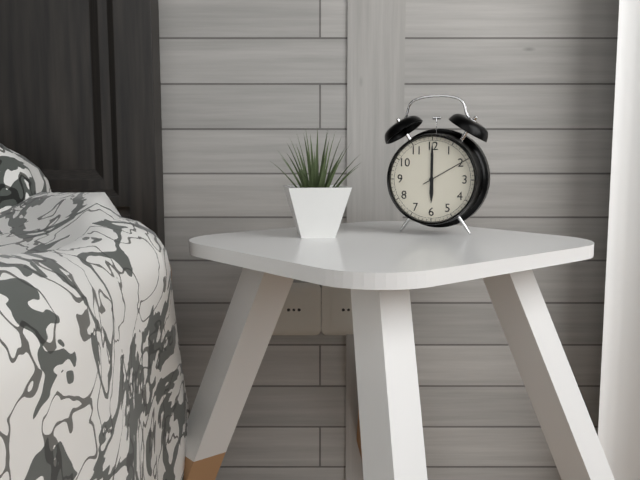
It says 6:00:10
